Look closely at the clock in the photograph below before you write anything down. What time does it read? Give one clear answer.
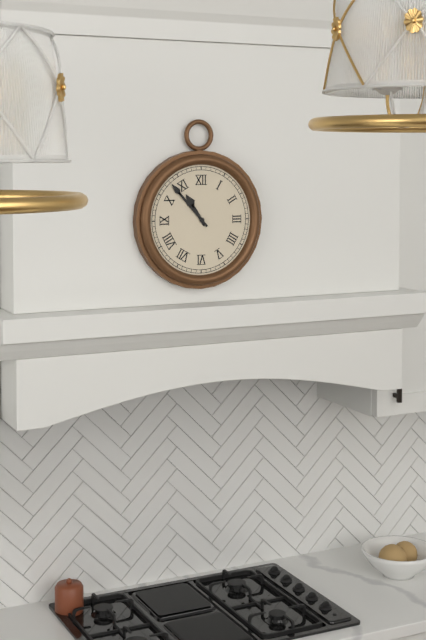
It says 10:53
